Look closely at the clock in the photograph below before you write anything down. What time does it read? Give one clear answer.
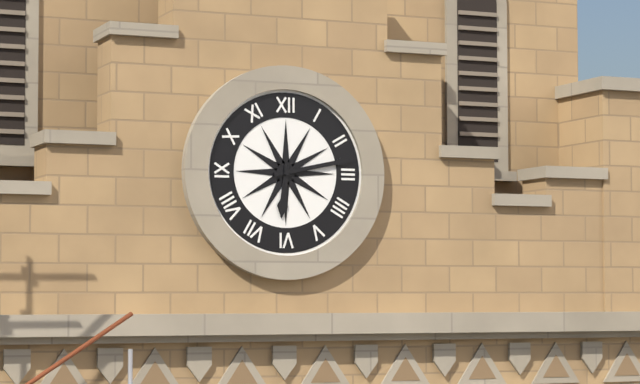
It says 6:13
